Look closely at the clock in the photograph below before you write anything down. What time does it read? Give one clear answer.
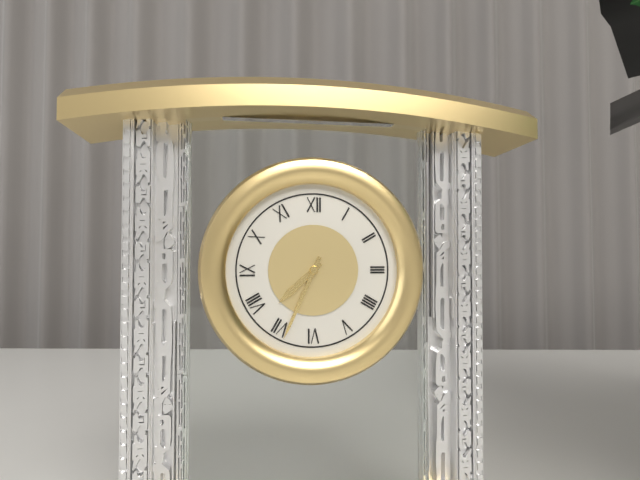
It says 7:34
